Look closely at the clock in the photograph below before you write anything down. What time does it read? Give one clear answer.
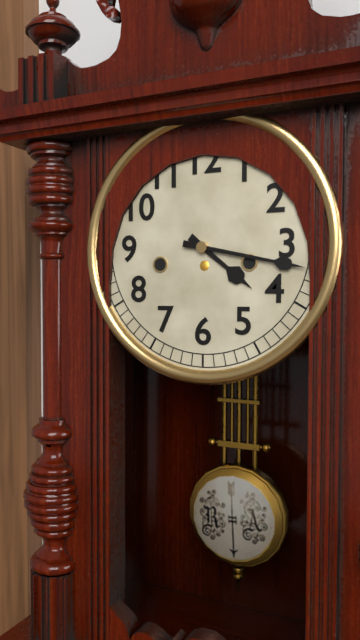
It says 4:17
